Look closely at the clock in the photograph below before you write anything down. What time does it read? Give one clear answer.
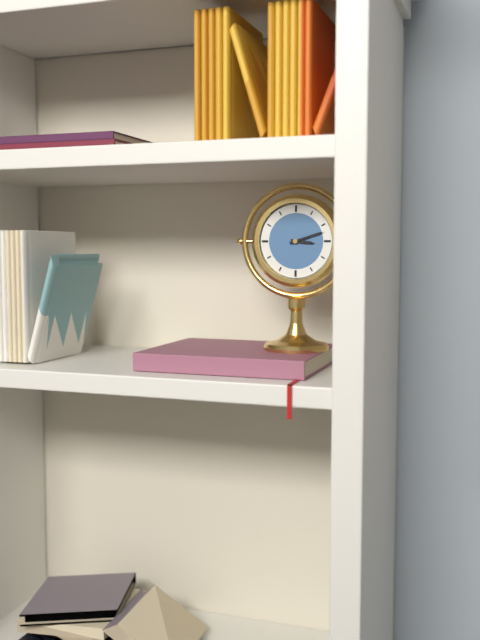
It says 3:12
